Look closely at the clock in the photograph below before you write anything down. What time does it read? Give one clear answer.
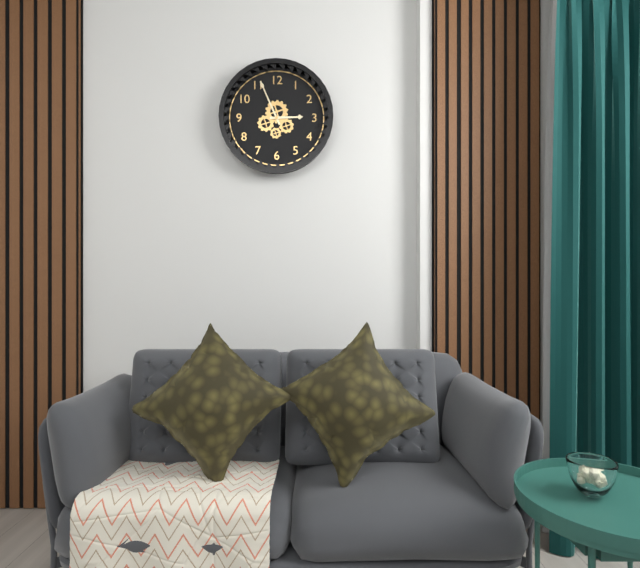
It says 2:56
